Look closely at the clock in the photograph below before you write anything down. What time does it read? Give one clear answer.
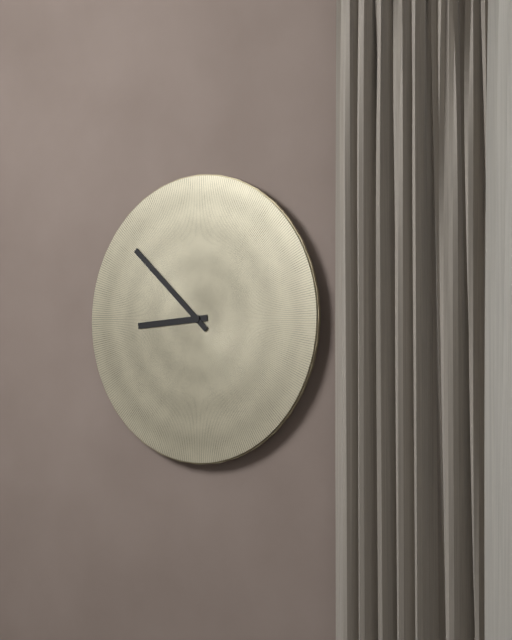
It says 8:52
